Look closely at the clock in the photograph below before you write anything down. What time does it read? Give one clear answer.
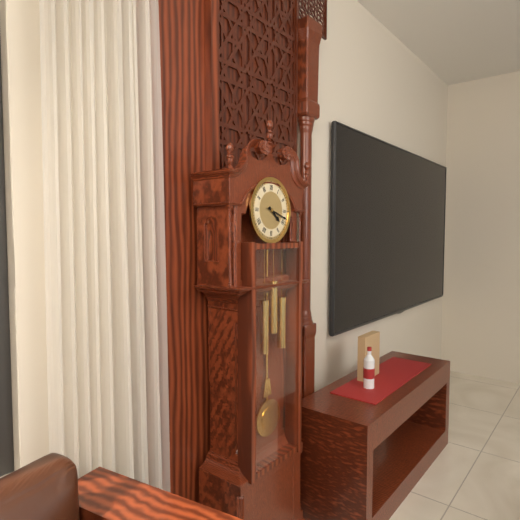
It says 4:18
